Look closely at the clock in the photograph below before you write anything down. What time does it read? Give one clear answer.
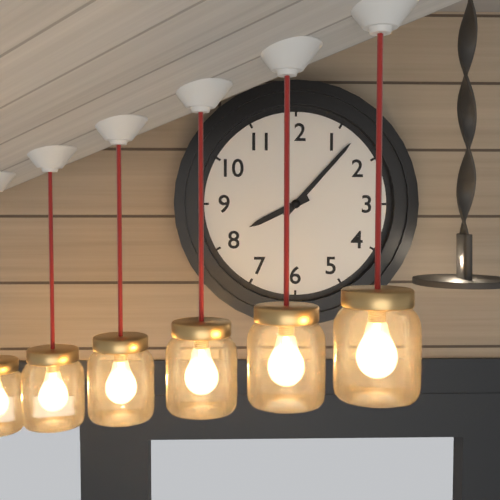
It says 8:07
